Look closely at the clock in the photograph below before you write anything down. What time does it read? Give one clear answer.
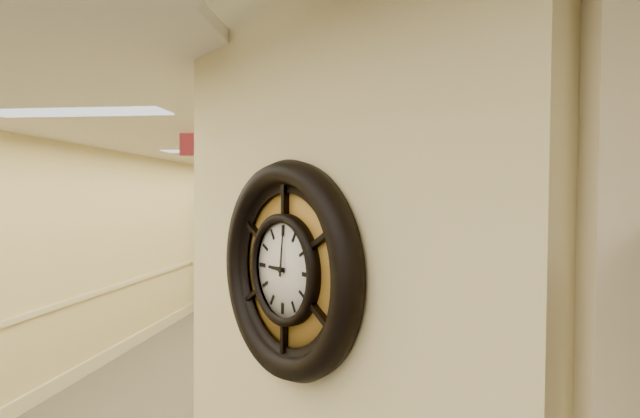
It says 9:01
